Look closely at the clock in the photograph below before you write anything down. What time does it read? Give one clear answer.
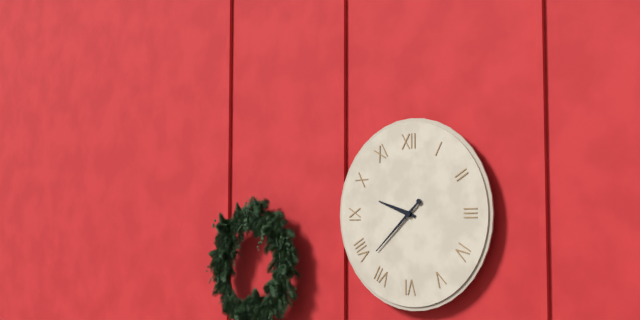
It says 9:38
